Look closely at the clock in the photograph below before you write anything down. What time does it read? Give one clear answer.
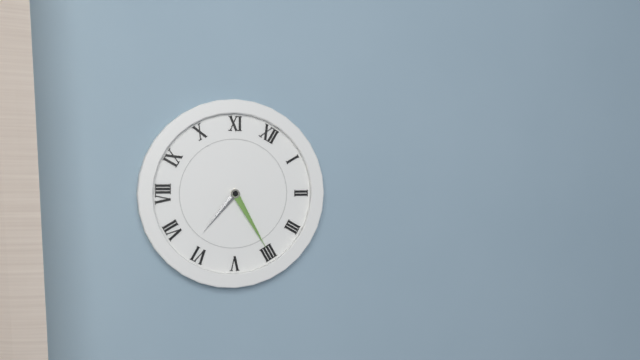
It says 6:20
